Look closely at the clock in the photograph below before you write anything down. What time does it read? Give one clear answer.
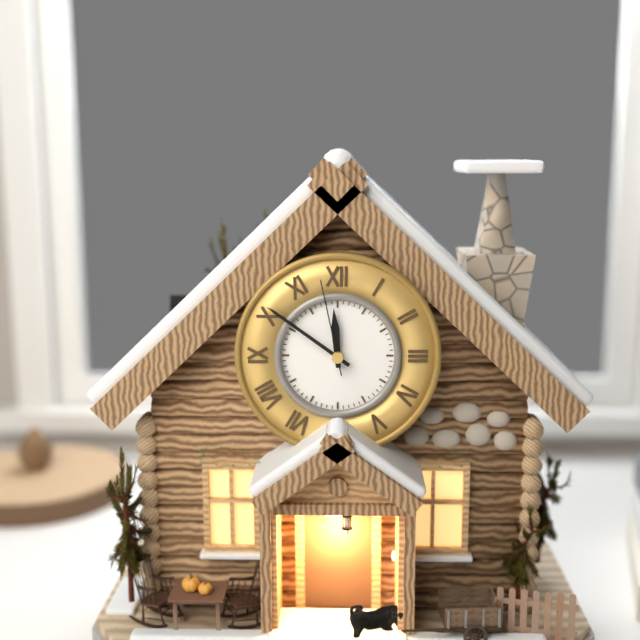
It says 11:51:58
